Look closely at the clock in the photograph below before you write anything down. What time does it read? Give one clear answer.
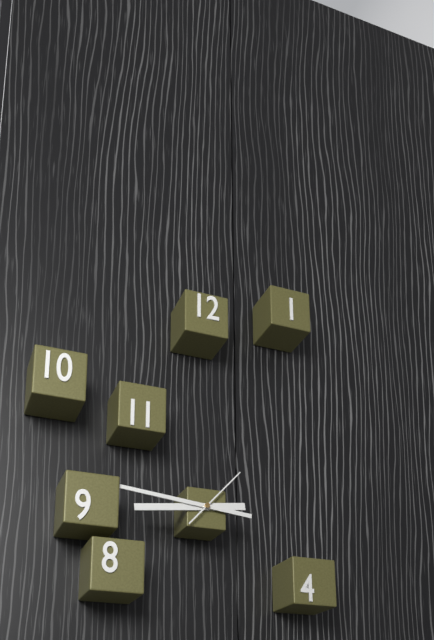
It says 8:46:07
